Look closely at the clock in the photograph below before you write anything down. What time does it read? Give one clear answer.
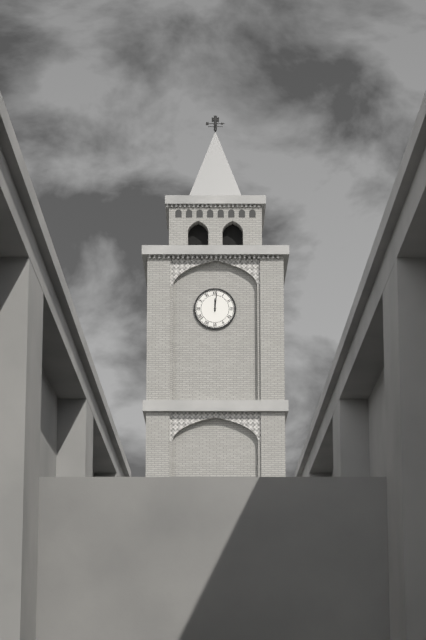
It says 12:01
